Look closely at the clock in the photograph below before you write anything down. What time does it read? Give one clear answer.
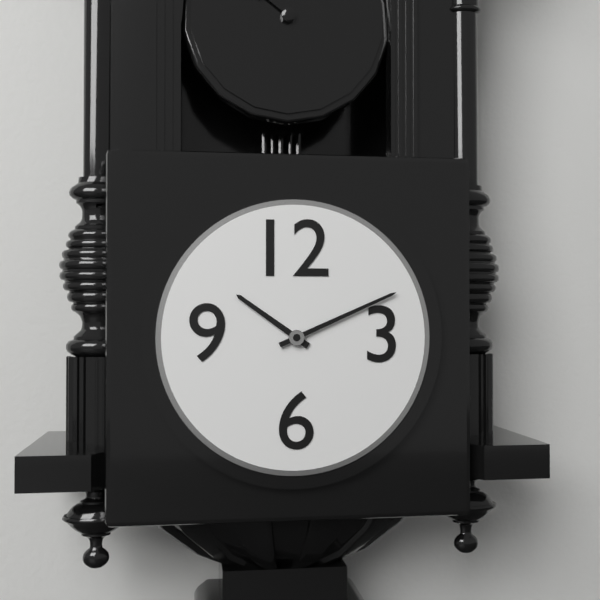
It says 10:11
